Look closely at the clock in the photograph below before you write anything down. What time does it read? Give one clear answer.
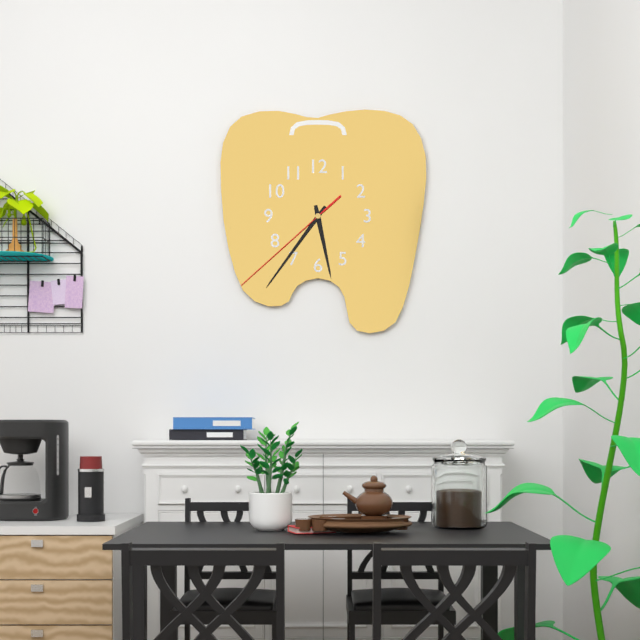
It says 5:36:38
